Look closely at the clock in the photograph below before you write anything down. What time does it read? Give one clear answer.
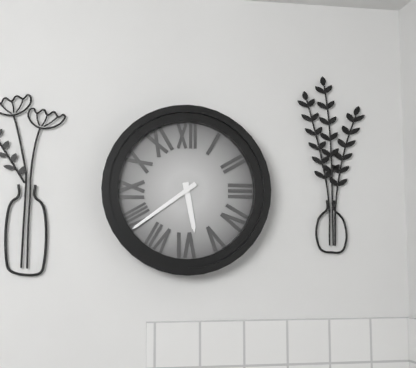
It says 5:39
